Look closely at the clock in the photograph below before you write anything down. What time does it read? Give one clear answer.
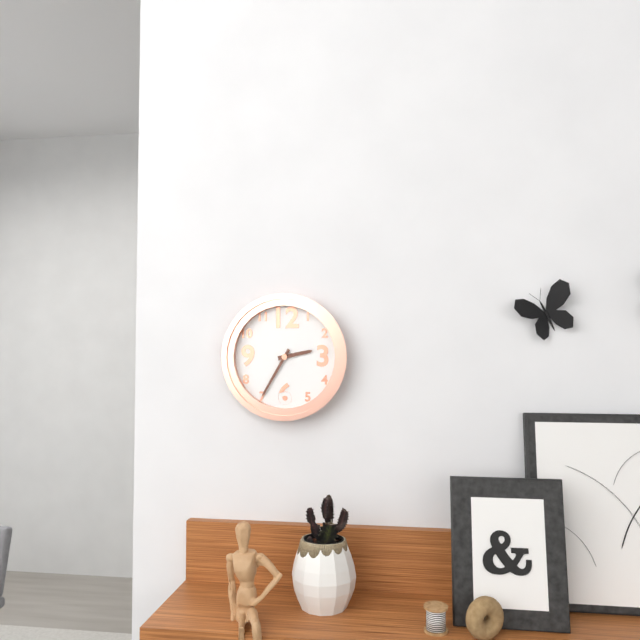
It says 2:35
